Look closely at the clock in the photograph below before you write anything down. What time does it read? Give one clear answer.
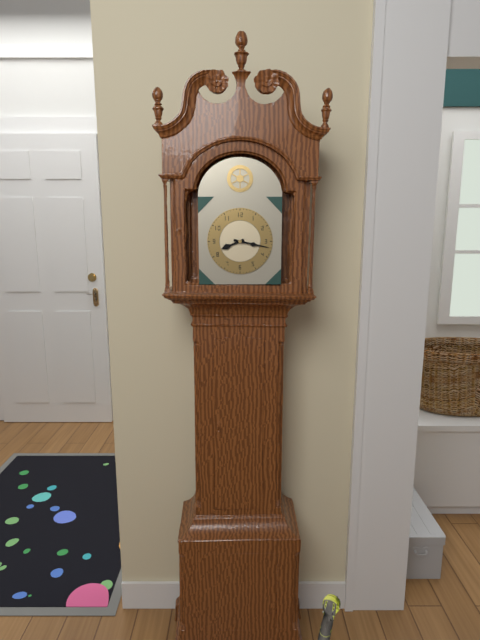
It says 8:17
